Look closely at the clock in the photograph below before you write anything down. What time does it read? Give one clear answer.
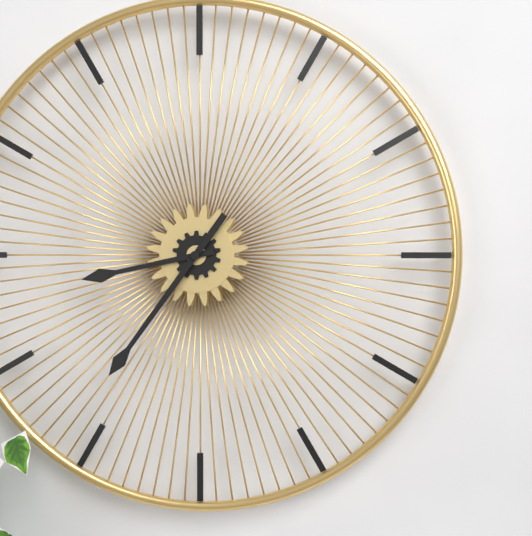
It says 8:36
